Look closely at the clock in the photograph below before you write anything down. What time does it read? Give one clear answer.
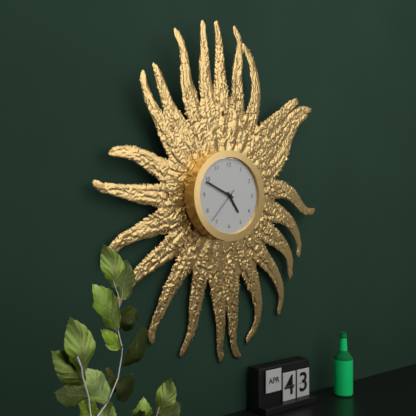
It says 4:49
